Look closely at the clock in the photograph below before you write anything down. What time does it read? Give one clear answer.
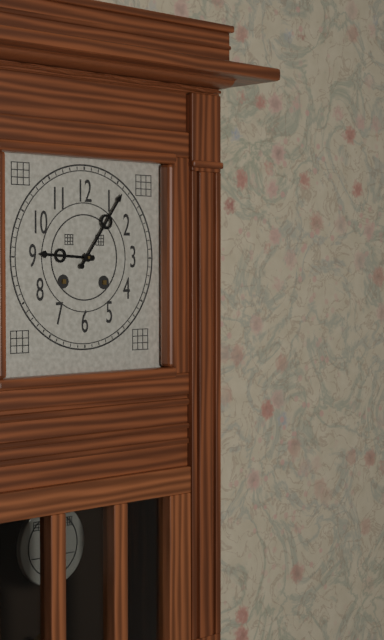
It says 9:06
